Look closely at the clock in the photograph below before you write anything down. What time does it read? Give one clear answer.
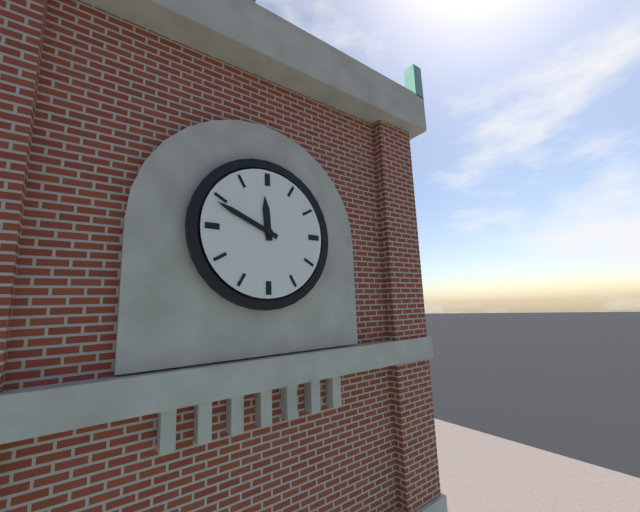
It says 11:49
